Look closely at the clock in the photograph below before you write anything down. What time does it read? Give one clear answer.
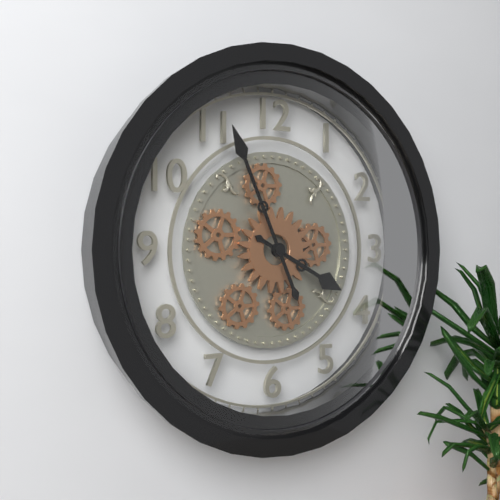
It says 3:56
